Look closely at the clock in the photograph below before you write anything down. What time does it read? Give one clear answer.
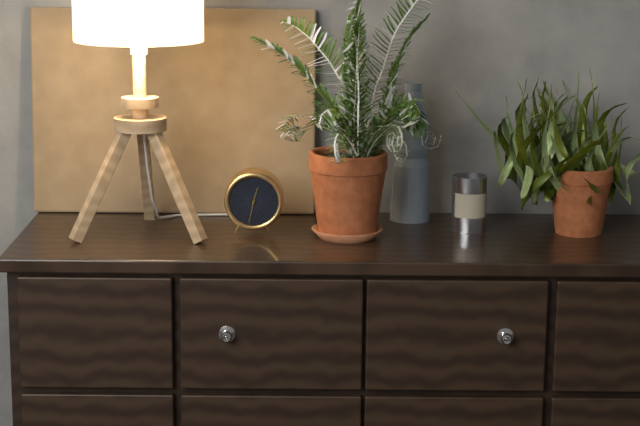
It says 12:32
